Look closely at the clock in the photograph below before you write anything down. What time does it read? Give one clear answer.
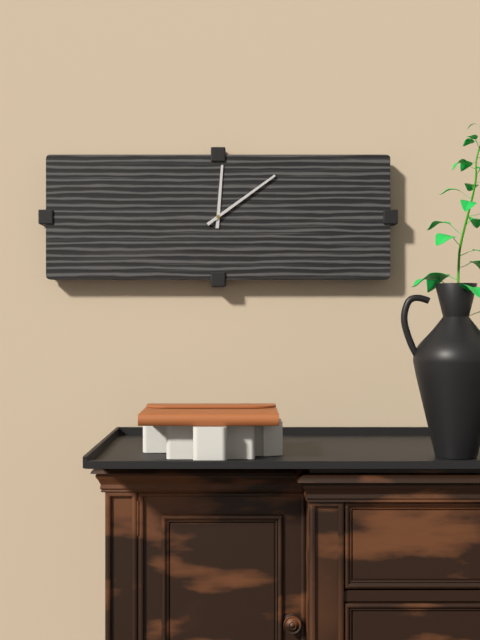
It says 12:09
